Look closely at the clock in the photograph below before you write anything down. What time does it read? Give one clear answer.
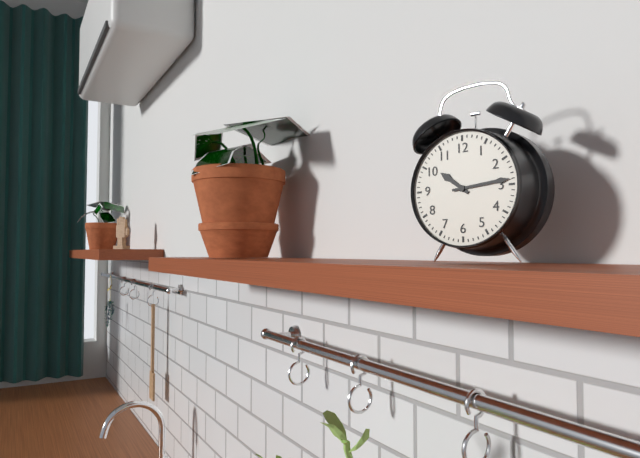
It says 10:14
